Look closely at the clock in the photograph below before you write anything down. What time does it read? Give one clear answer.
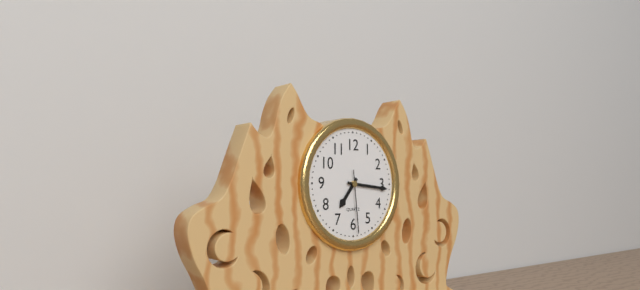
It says 7:16:29
